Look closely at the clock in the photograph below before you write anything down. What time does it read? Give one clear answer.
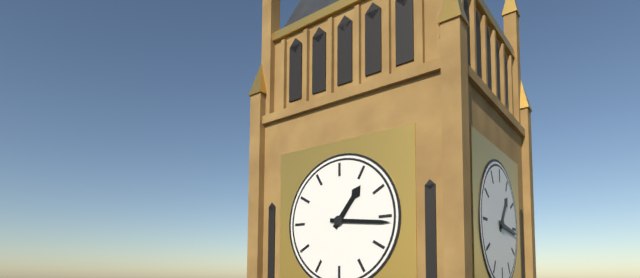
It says 1:16
